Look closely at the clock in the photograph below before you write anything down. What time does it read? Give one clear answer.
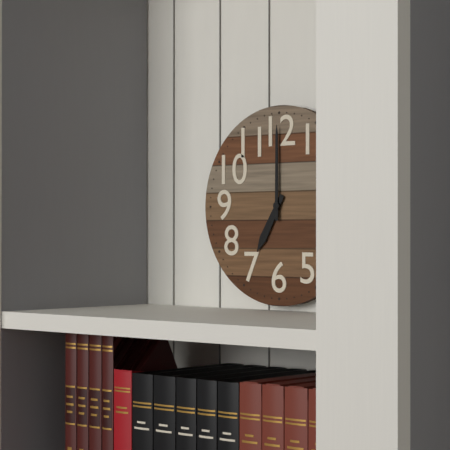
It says 7:00
